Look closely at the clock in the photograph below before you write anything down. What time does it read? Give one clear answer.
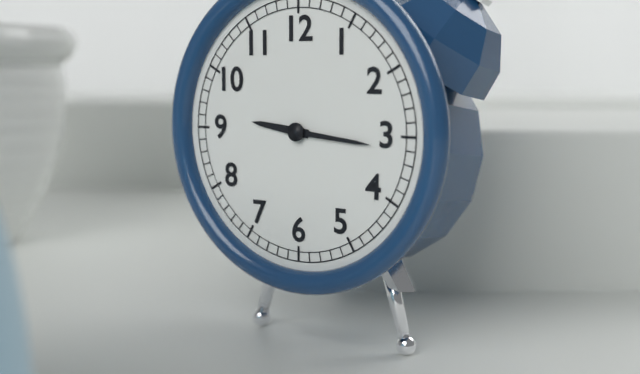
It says 9:16
